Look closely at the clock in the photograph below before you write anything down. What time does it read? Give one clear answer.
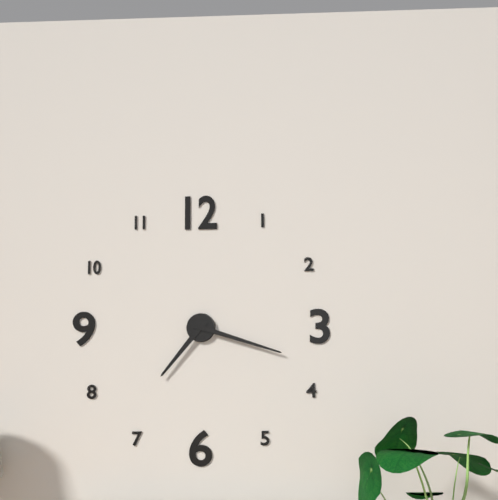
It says 7:18
